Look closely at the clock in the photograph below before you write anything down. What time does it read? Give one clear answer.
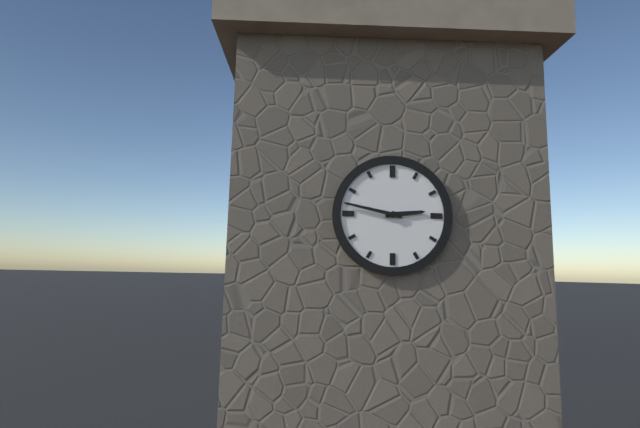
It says 2:47
